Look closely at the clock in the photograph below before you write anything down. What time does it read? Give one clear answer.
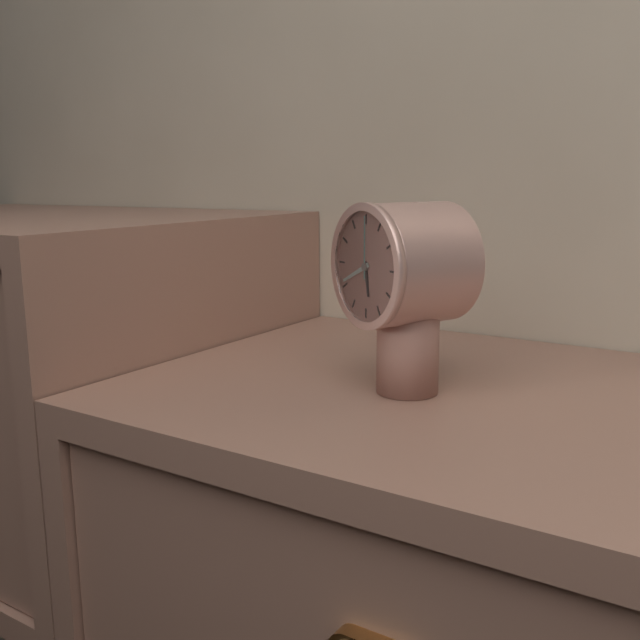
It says 5:41:00
